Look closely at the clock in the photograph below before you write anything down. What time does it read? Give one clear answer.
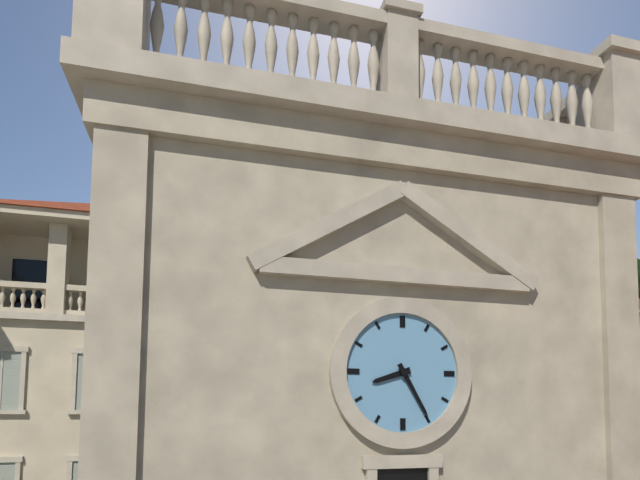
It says 8:25
